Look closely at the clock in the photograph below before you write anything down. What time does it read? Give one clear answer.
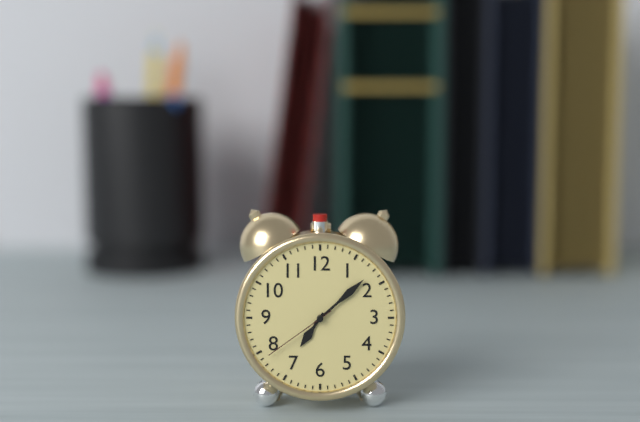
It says 7:08:39
